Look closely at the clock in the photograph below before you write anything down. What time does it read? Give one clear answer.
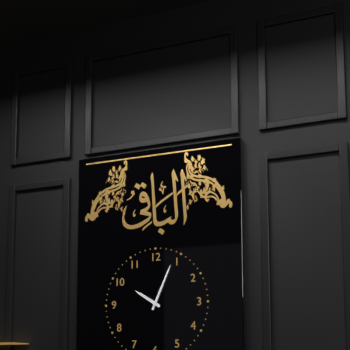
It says 10:04
